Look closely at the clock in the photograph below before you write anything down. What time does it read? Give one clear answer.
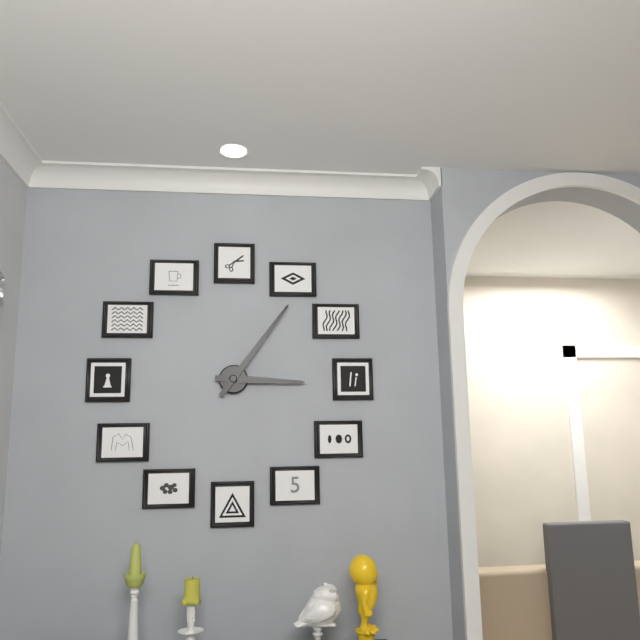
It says 3:06
